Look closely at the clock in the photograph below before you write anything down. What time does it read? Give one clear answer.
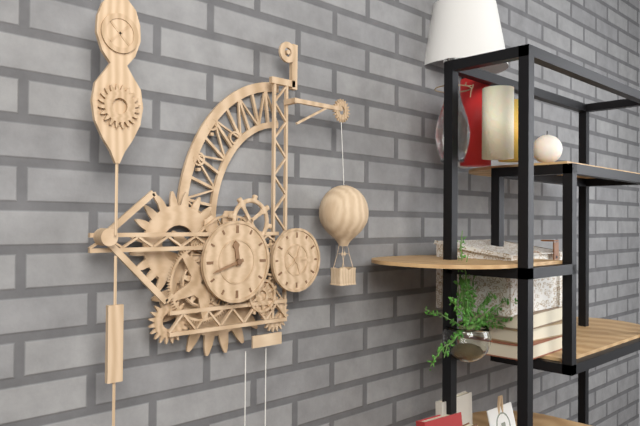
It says 11:42
